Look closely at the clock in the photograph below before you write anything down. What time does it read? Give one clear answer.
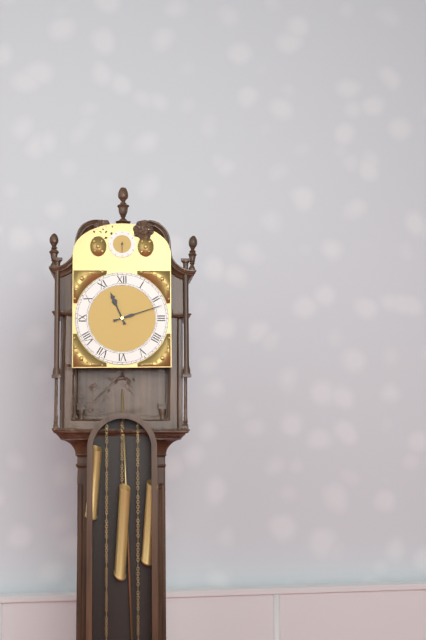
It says 11:12
